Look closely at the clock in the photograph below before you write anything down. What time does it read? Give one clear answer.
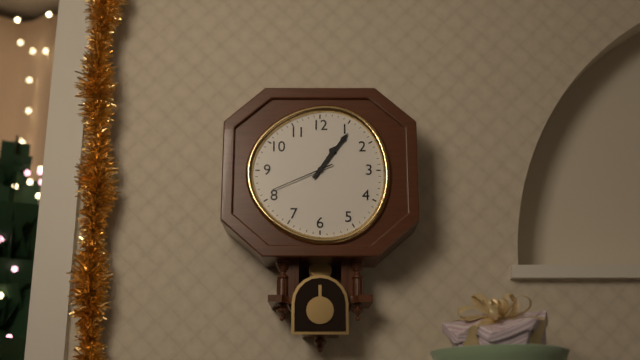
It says 1:06:41
